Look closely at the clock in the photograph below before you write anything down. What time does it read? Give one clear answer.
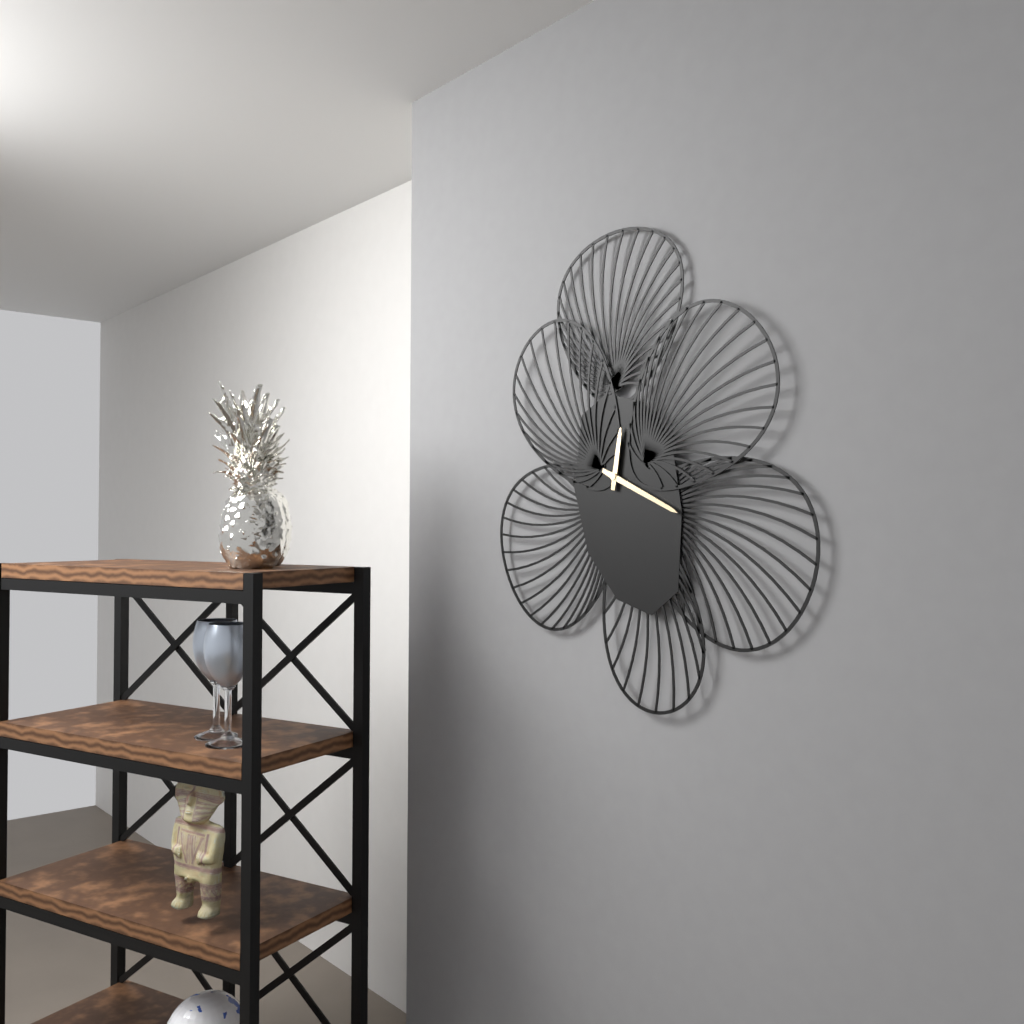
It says 12:19
